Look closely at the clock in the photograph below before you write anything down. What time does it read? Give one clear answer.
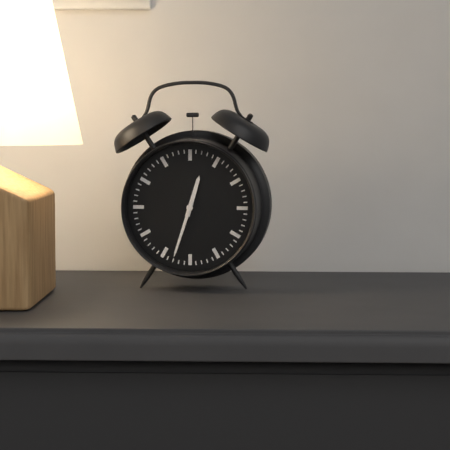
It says 12:33
